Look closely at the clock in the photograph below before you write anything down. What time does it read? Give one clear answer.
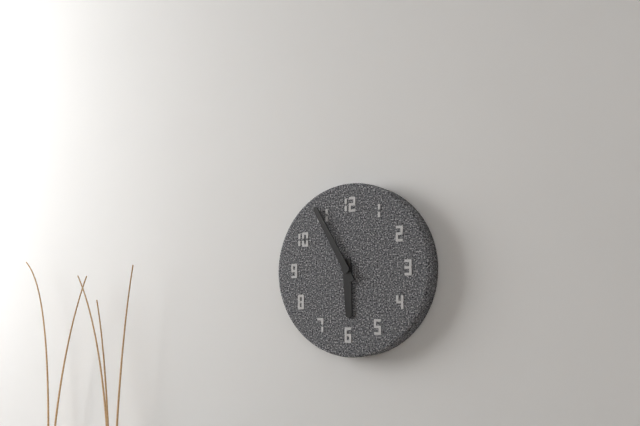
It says 5:55
